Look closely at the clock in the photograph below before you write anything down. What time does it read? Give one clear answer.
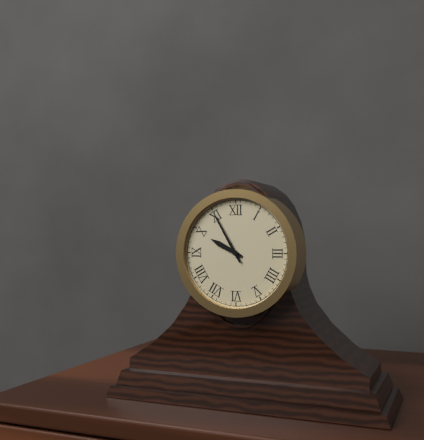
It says 9:55
